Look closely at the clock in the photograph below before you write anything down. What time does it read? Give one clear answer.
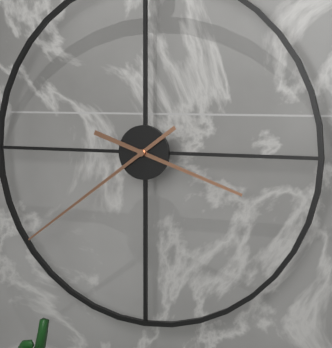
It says 3:39
